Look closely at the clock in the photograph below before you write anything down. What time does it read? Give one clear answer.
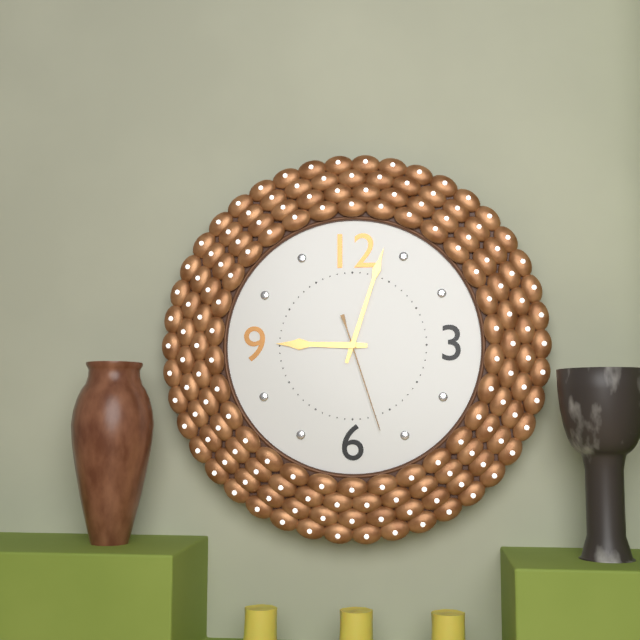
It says 9:03:27
